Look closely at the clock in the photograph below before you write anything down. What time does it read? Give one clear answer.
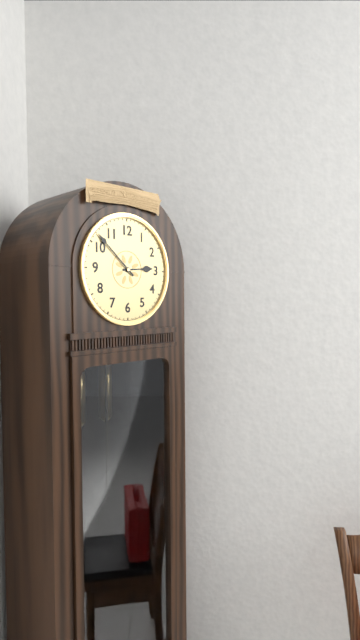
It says 2:52
